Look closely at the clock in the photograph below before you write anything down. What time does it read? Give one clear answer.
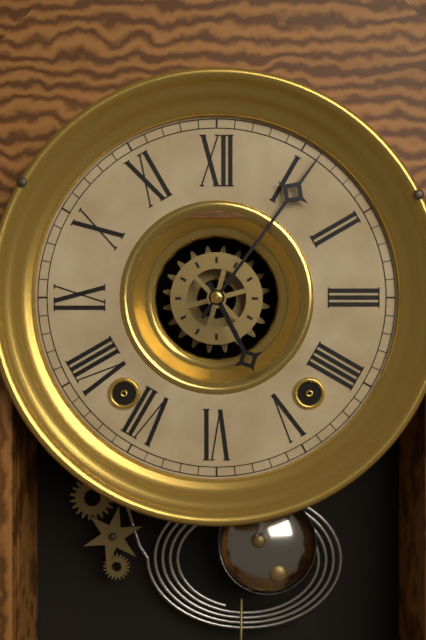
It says 5:06
